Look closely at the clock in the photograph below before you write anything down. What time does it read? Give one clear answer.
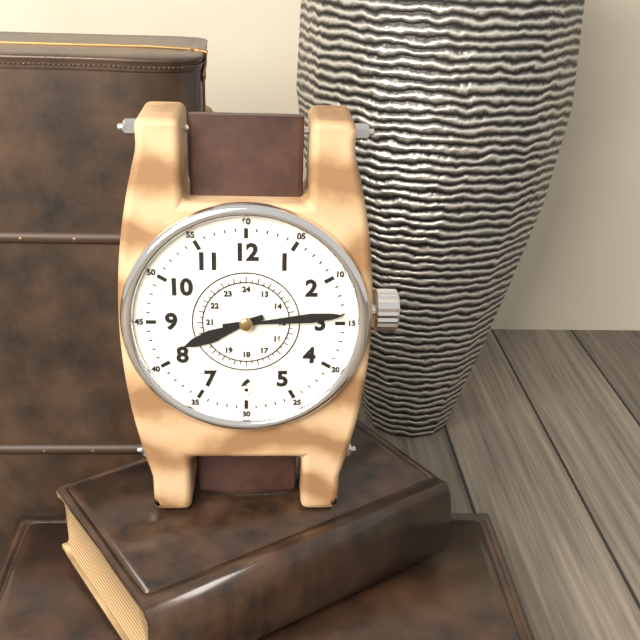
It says 8:14
